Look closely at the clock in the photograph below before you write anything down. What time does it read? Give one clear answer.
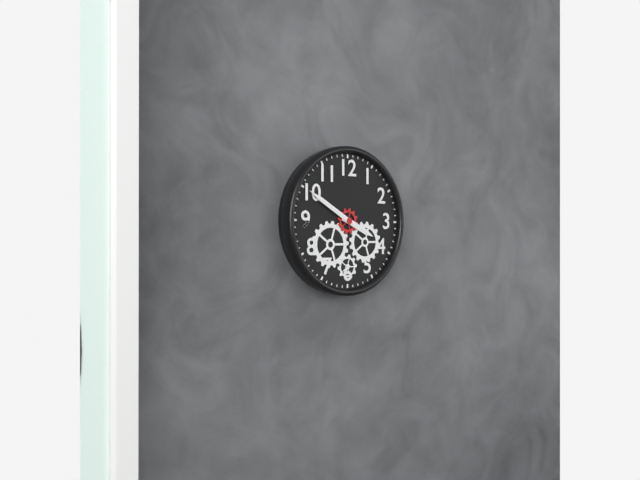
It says 3:50
